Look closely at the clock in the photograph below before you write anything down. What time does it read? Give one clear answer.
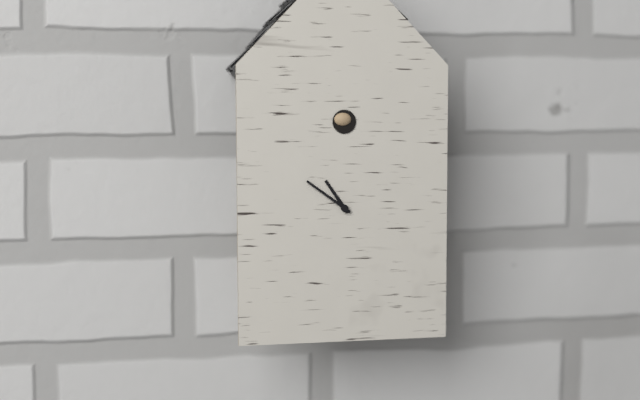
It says 10:51
